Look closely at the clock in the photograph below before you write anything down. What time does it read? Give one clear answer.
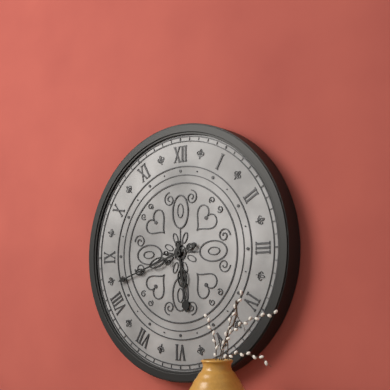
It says 5:42
